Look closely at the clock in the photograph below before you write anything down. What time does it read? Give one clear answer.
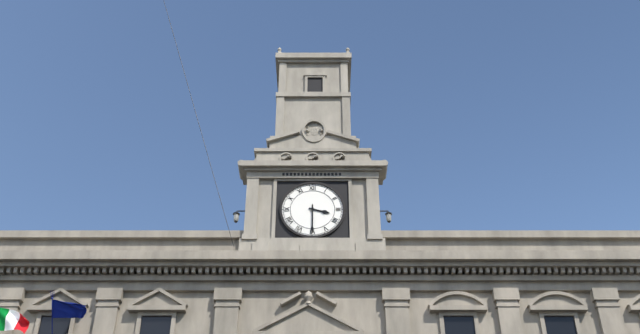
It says 3:30
